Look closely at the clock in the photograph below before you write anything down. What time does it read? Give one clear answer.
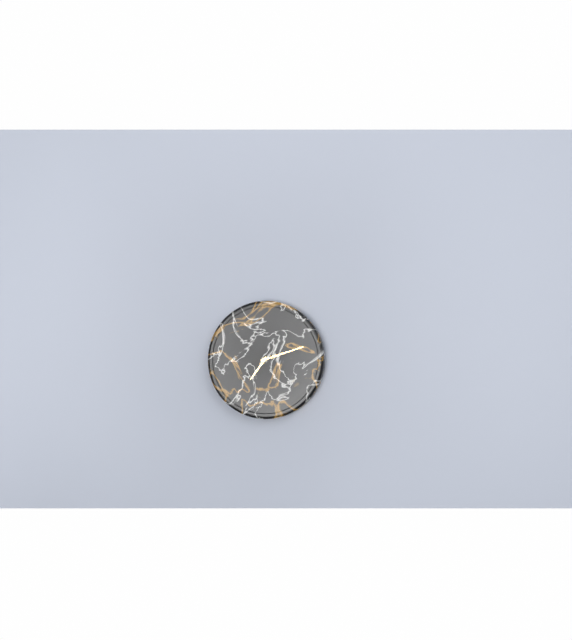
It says 7:12
